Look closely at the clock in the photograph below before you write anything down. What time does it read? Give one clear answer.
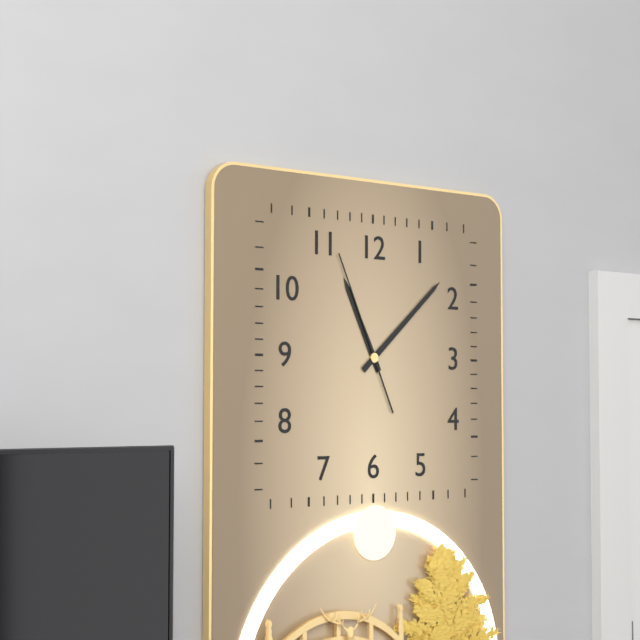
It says 11:08:56
